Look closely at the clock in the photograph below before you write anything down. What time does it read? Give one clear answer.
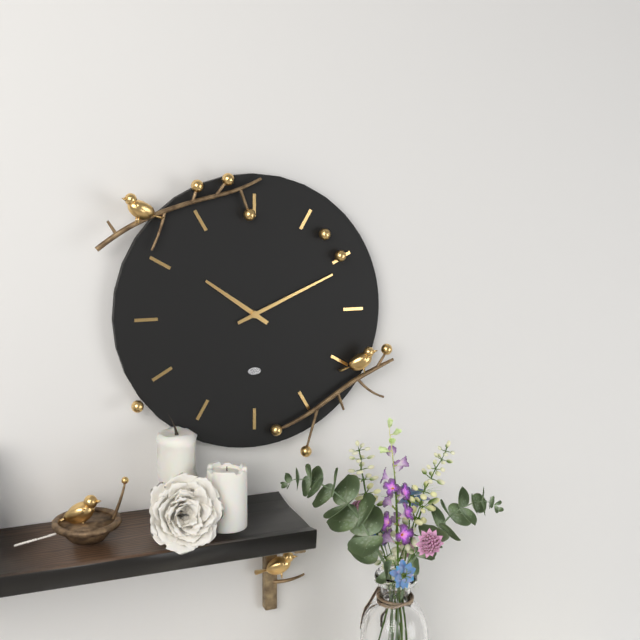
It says 10:11
